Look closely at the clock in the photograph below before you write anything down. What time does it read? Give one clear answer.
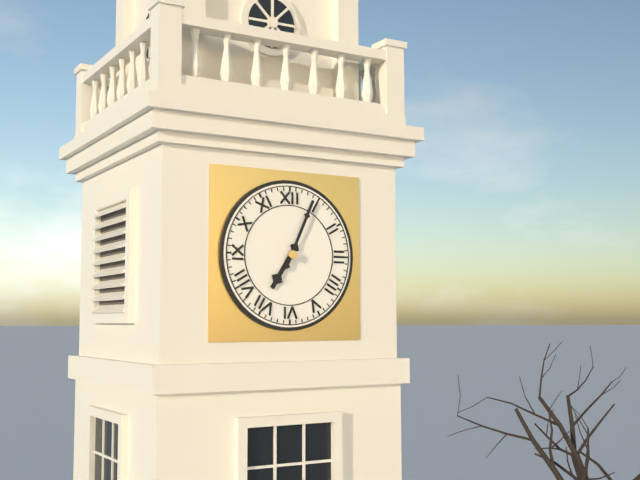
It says 7:04
